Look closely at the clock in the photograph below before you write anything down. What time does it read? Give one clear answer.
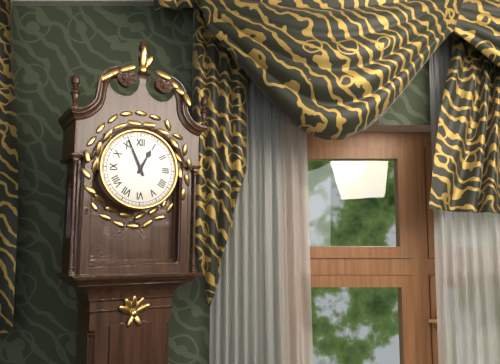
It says 12:56
